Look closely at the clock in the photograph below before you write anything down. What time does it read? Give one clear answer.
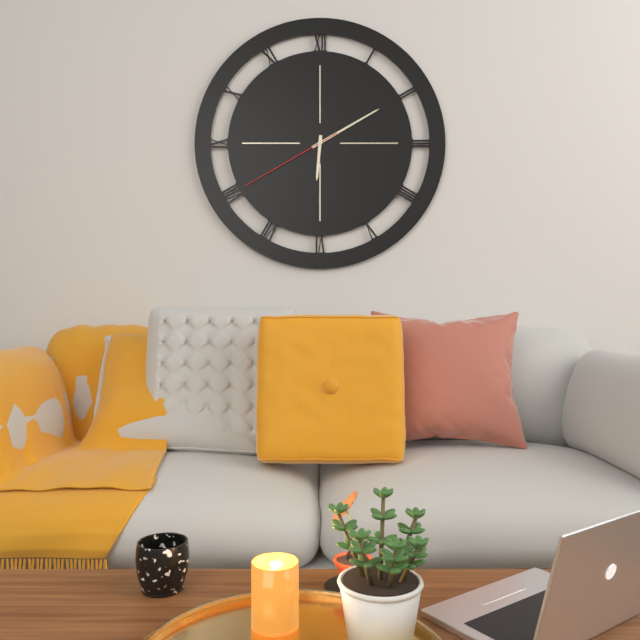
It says 6:10:40
